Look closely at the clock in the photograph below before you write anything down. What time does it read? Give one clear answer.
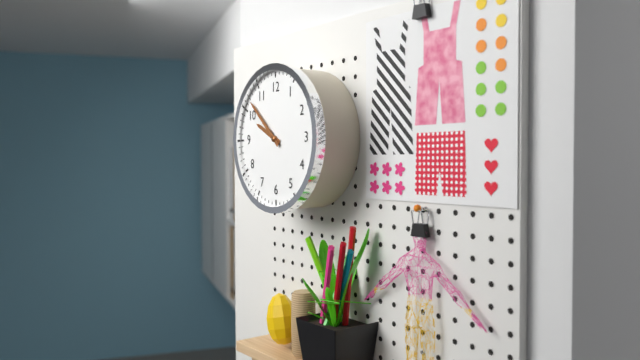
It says 9:52
